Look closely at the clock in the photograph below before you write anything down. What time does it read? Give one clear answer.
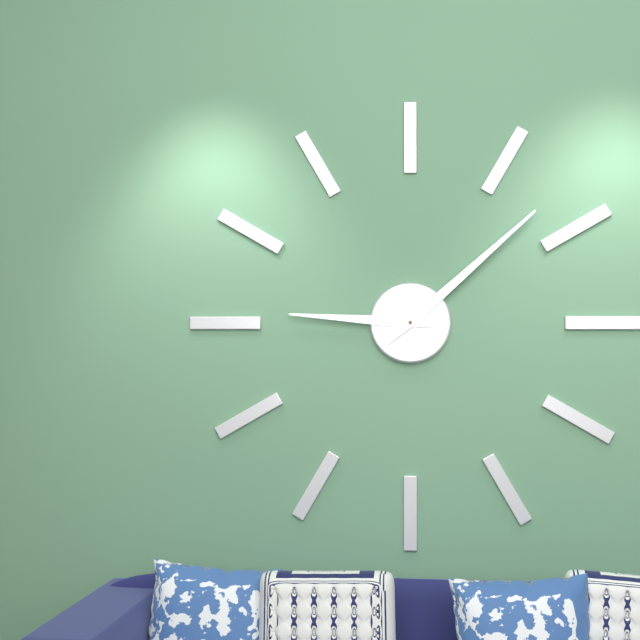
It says 9:08
